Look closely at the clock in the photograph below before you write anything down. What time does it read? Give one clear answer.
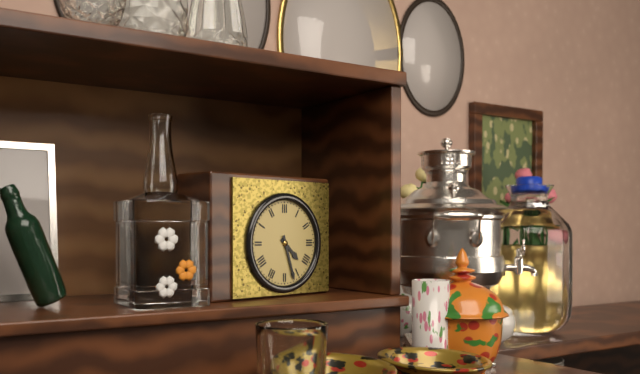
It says 4:27
